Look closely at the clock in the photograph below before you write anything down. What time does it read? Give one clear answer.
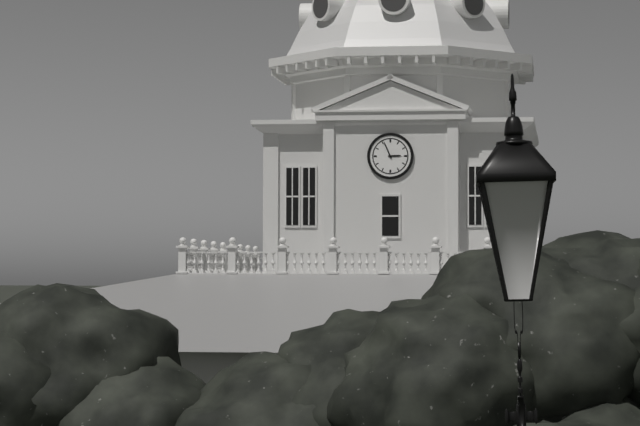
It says 2:56
